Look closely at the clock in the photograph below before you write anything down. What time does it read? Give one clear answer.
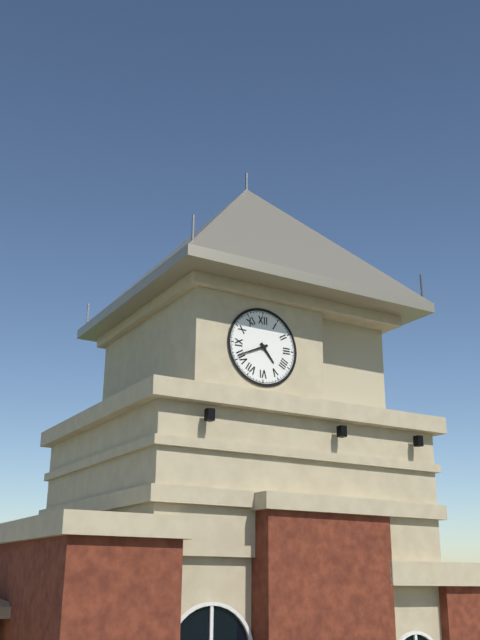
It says 4:41
